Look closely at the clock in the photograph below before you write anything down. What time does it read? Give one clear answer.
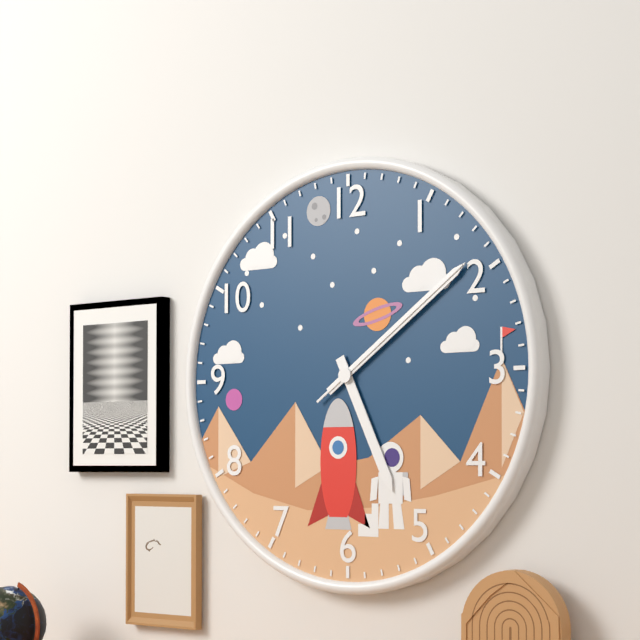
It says 5:09:09
